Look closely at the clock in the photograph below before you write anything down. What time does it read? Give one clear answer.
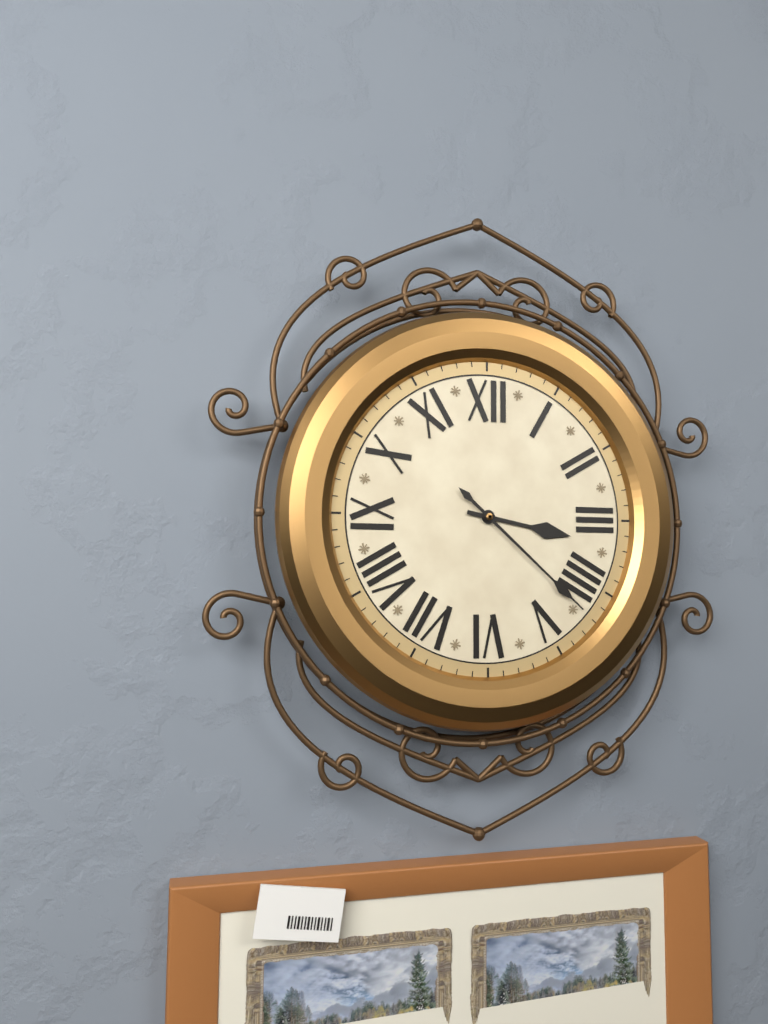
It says 3:22
